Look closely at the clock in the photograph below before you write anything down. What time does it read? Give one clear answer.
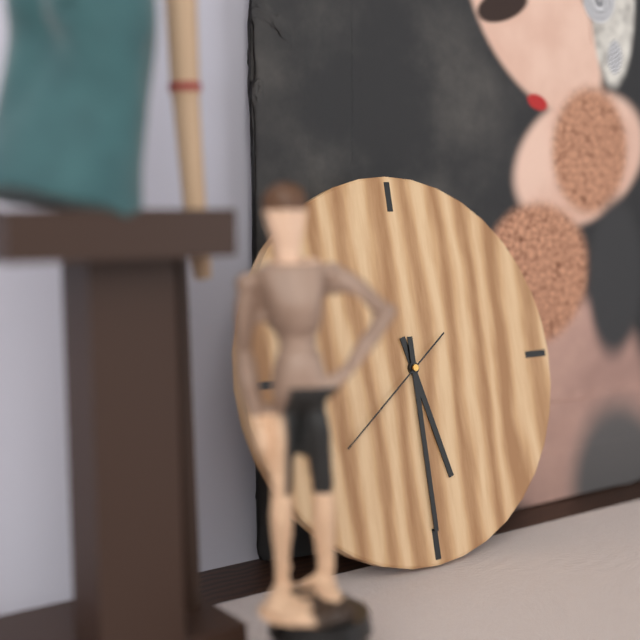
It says 5:30:39
